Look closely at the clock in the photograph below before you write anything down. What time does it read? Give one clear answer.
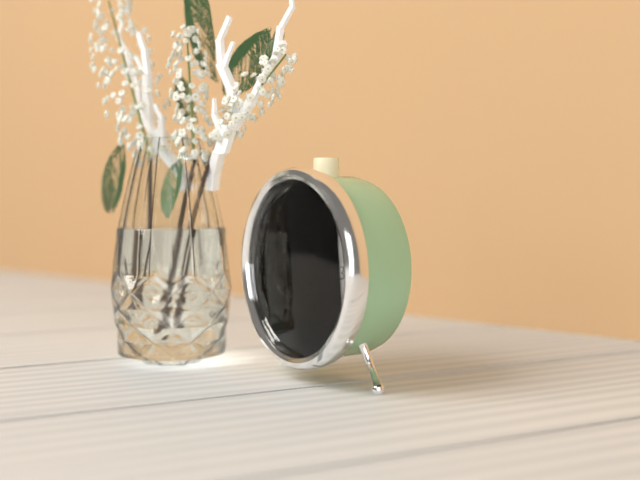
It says 12:06
